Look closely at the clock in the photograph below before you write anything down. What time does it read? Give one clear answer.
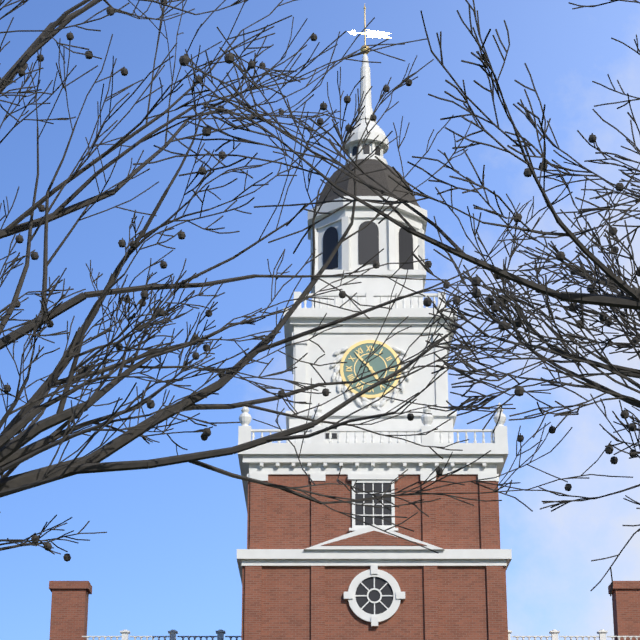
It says 4:53
